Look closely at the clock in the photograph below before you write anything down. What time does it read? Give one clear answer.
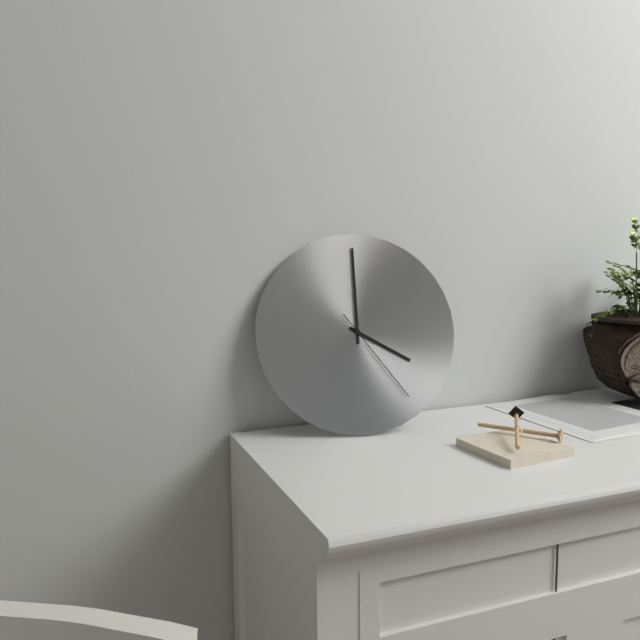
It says 4:00:24
